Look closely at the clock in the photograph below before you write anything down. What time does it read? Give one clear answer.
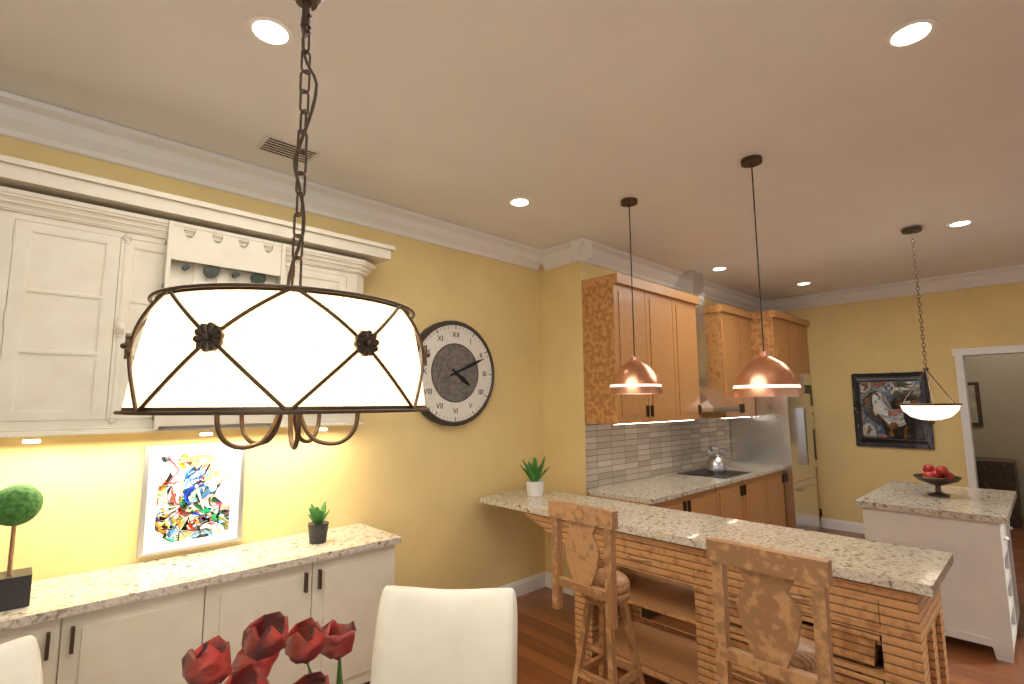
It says 4:11
